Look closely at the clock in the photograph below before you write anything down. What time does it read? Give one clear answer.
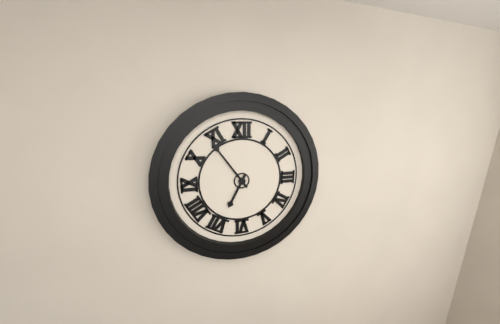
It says 6:54
